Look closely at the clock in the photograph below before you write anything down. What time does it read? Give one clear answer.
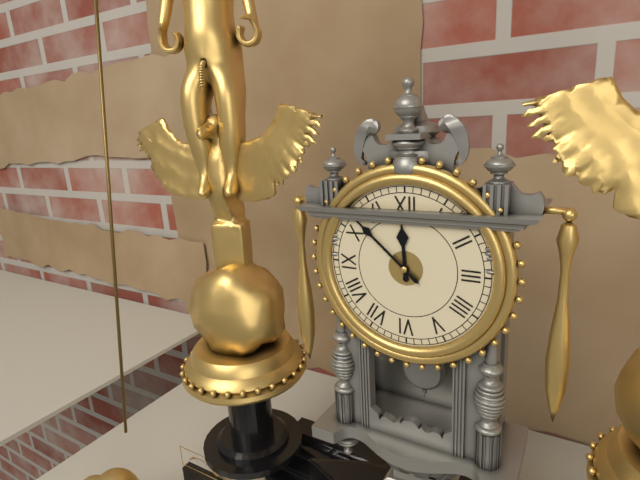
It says 11:52
